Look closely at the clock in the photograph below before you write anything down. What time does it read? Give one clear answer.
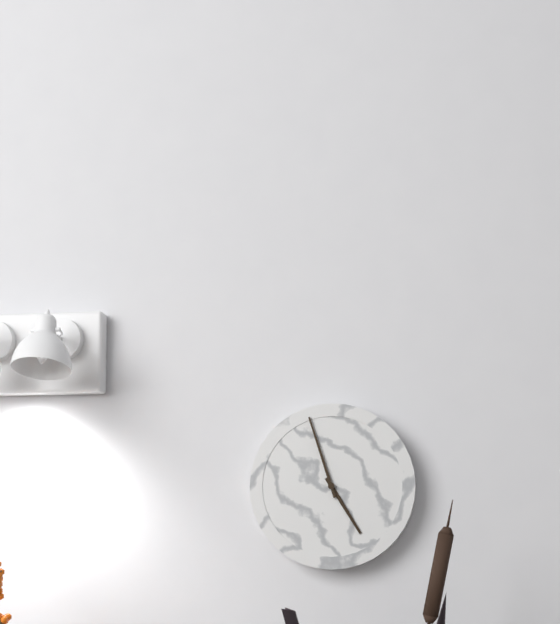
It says 4:57
